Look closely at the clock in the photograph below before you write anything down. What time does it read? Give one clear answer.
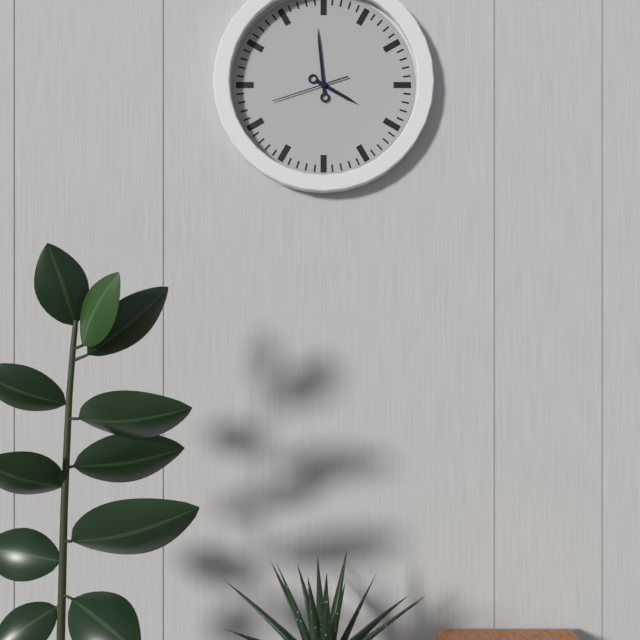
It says 3:59:42
